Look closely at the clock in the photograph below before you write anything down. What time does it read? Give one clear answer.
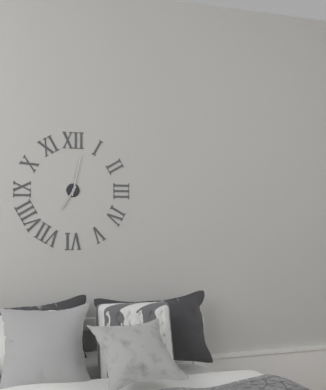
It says 7:02
